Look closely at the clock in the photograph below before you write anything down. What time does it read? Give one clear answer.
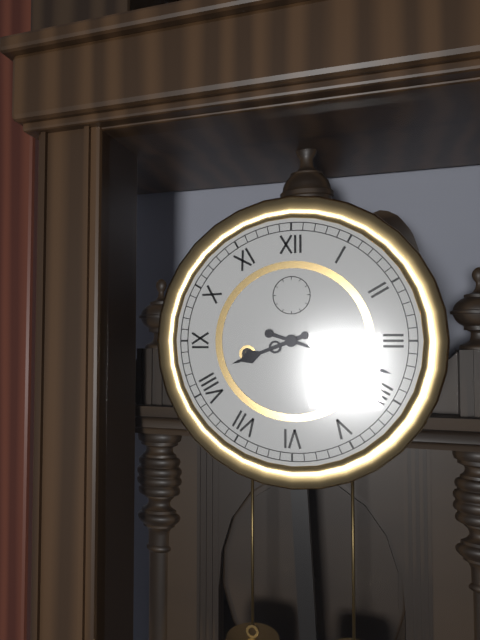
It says 8:18
